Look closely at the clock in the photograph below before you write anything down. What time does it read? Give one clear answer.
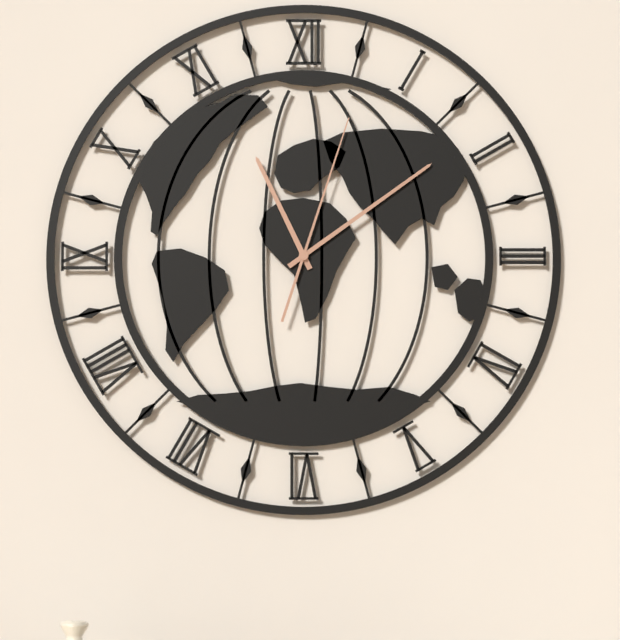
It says 11:09:03
